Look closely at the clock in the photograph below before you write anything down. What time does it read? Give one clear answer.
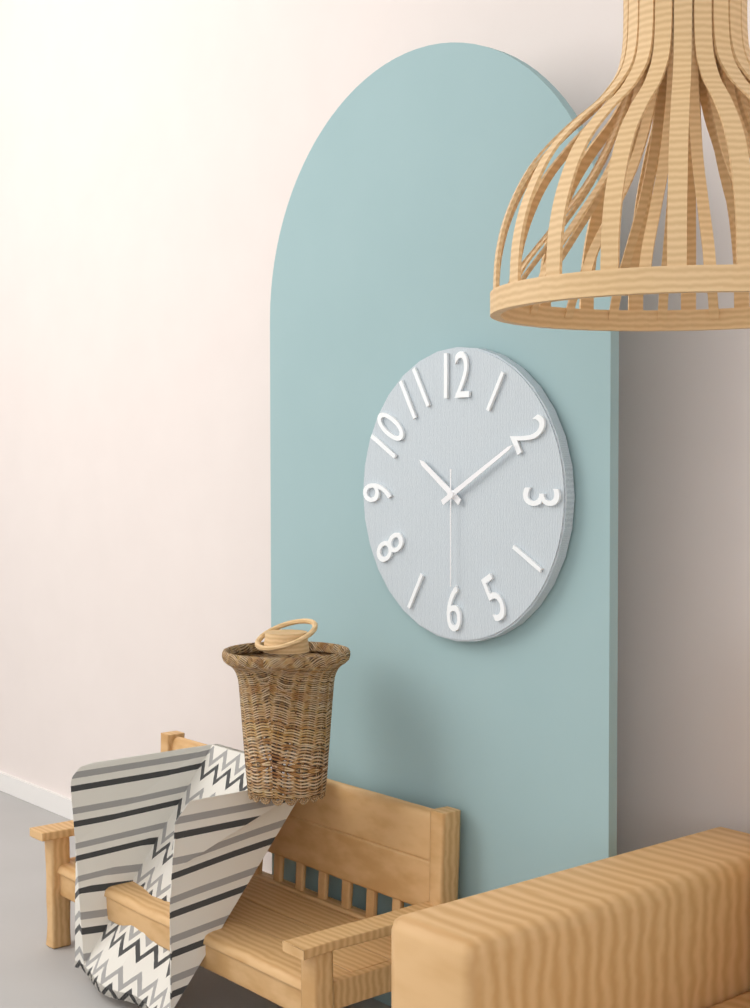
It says 10:10:30
